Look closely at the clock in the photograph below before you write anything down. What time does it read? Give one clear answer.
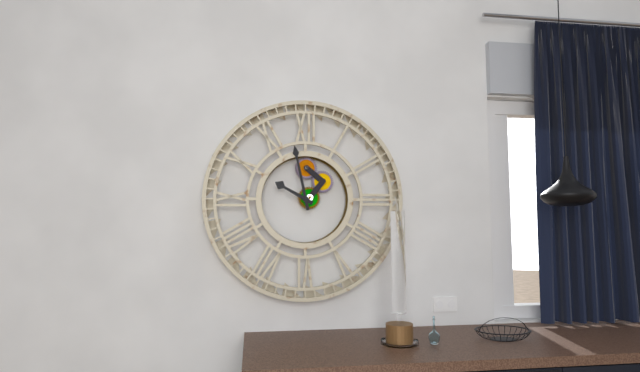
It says 9:58
